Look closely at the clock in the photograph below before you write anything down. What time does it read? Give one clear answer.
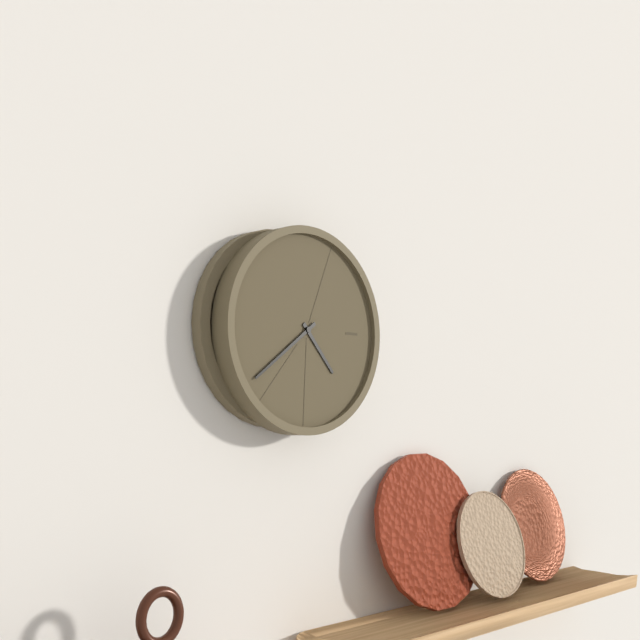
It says 4:39
